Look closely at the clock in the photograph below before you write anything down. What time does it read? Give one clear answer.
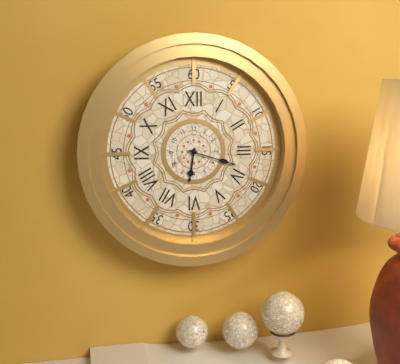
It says 6:18
